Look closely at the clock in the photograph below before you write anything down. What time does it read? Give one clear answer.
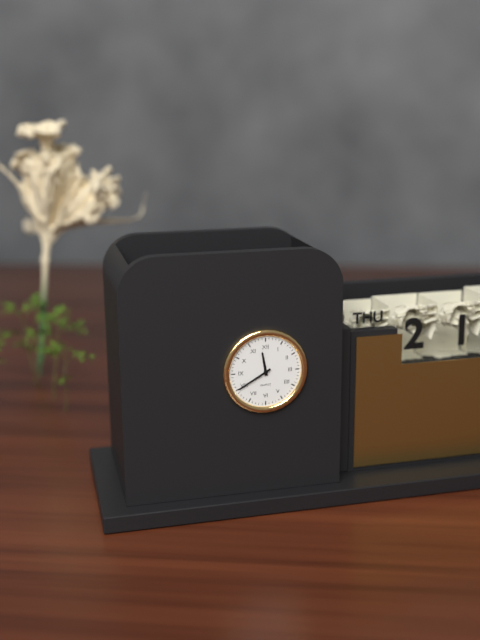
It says 11:40
